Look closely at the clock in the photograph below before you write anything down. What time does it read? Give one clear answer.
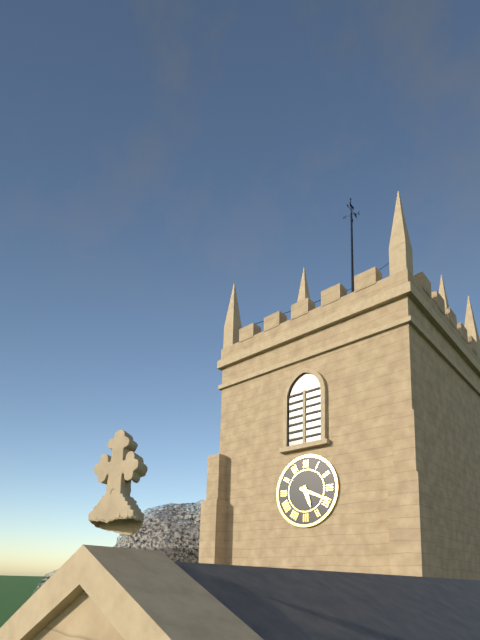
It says 5:19
